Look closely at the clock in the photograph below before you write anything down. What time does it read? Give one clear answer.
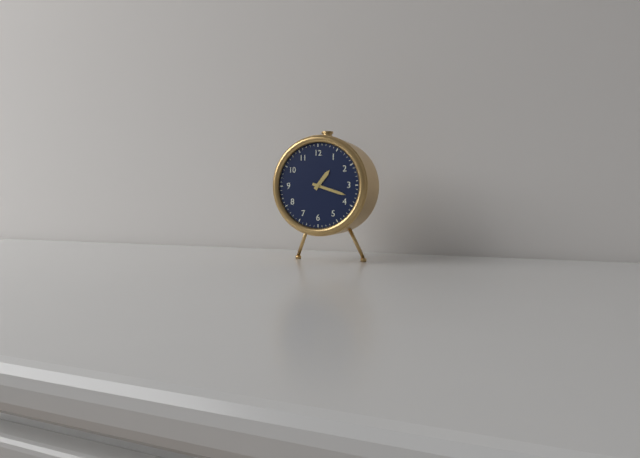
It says 1:18
